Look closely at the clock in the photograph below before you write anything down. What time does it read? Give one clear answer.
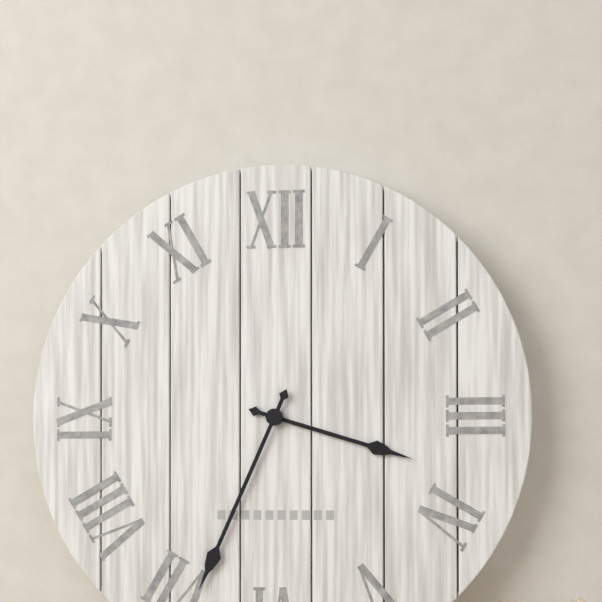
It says 3:34
